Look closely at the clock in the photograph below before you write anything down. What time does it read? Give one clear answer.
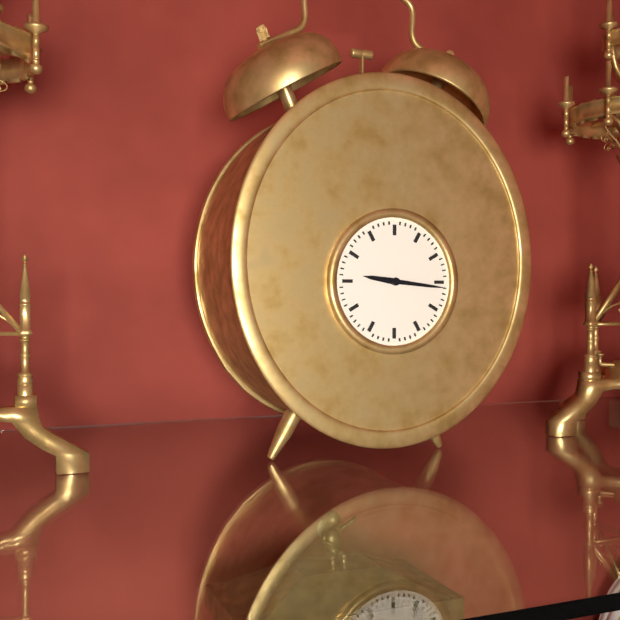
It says 9:16
